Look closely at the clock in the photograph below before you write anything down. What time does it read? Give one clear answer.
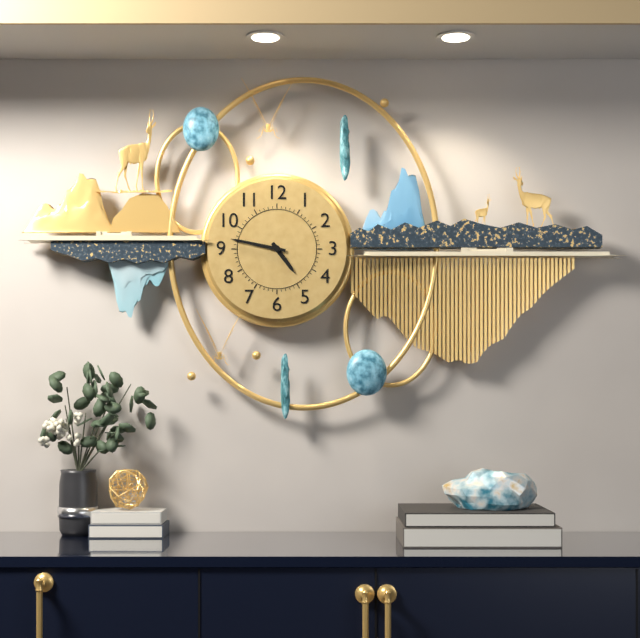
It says 4:47
